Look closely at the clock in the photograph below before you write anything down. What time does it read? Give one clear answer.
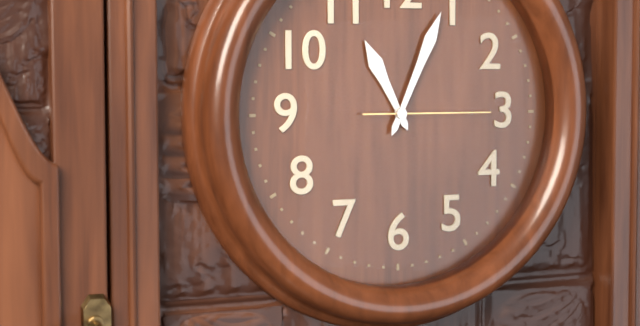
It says 11:04:15
